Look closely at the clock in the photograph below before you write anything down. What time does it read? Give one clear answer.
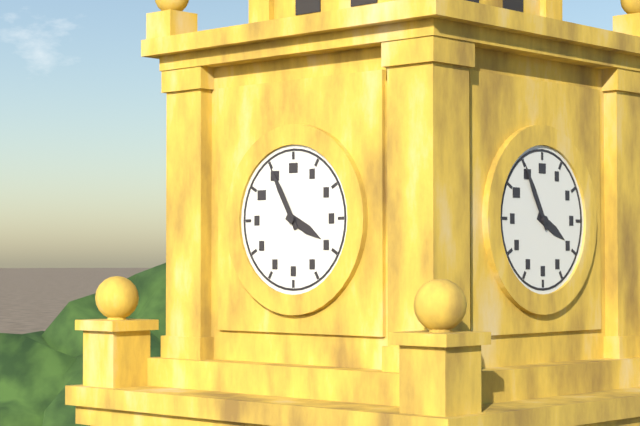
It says 3:55
